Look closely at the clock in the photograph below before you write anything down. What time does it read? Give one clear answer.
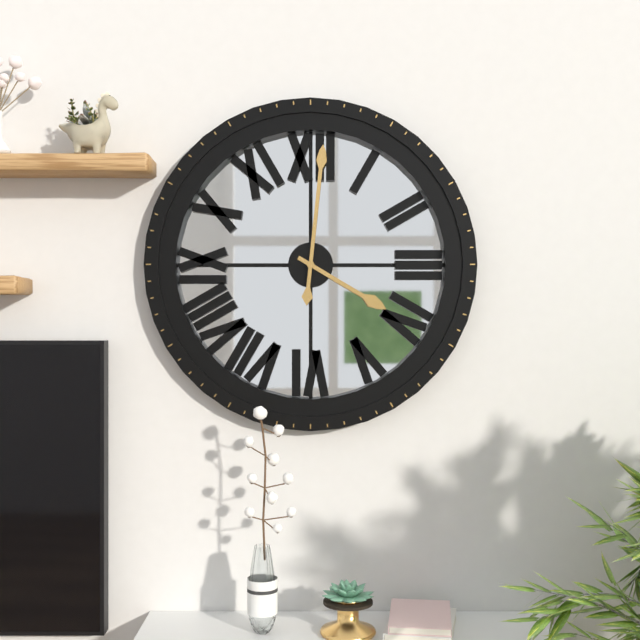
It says 4:01
